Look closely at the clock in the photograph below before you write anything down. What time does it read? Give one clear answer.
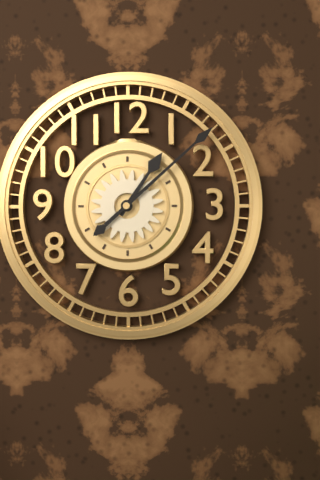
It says 1:08
